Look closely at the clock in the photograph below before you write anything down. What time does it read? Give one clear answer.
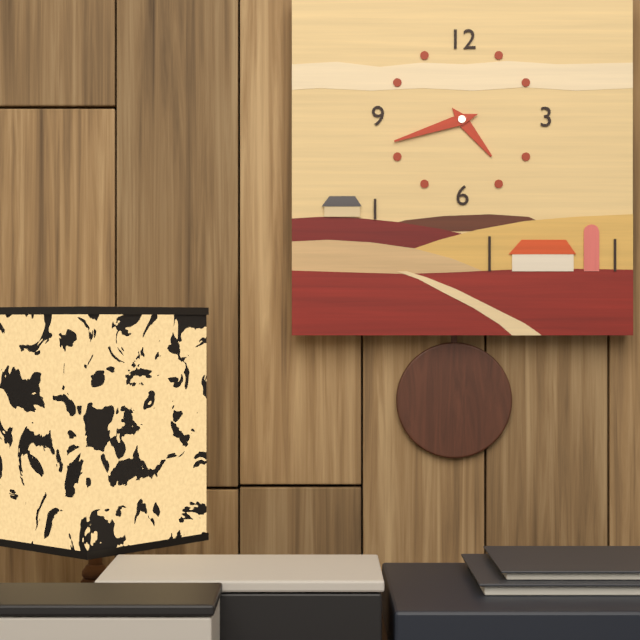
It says 4:42
